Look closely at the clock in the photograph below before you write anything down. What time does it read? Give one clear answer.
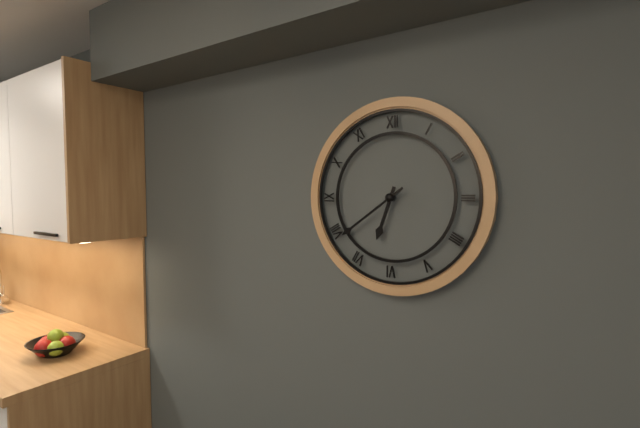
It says 6:39
